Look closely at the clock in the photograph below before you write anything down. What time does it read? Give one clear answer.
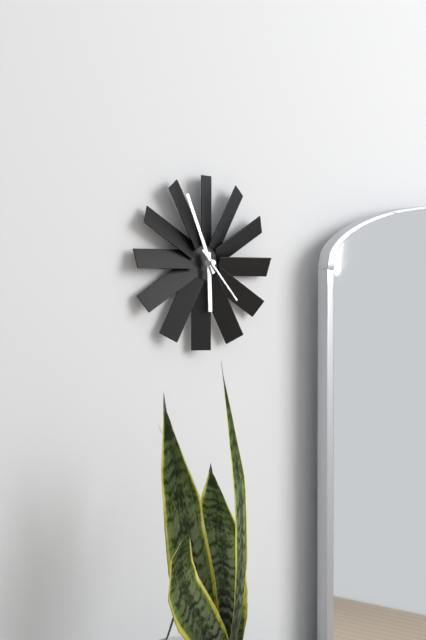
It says 5:56:23
